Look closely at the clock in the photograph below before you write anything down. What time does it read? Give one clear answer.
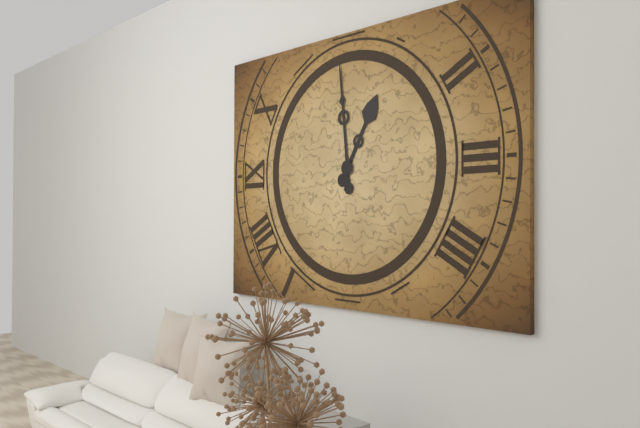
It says 12:59
